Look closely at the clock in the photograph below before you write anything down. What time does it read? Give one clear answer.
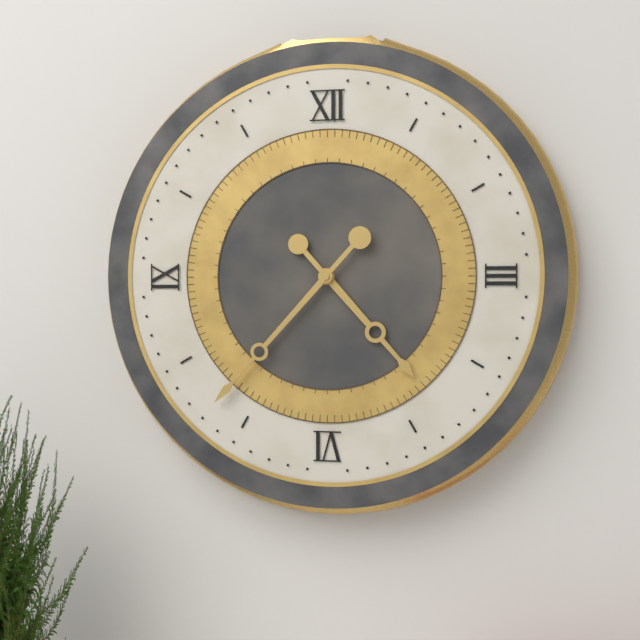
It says 4:37
